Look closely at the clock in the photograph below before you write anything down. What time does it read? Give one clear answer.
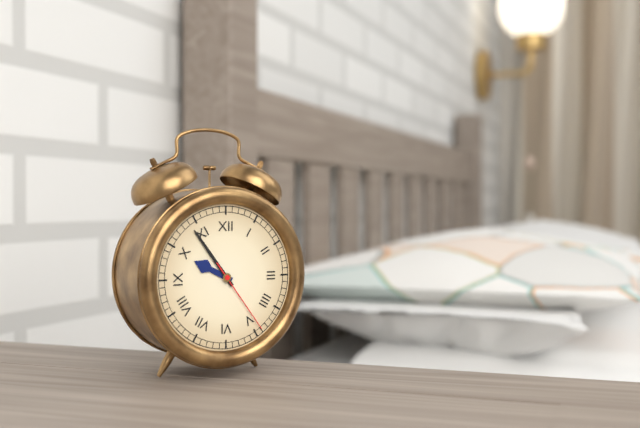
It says 9:54:24
